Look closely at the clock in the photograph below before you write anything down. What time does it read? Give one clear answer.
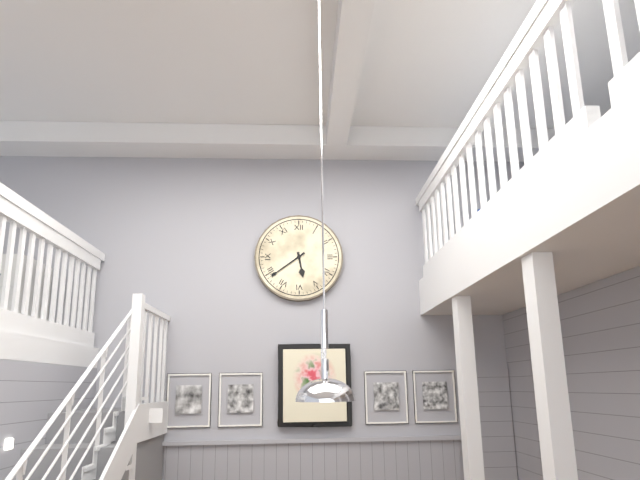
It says 5:39
